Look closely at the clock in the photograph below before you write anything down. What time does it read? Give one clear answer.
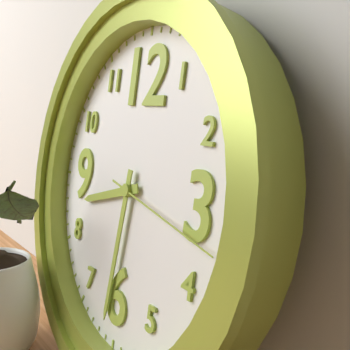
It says 8:31:17
